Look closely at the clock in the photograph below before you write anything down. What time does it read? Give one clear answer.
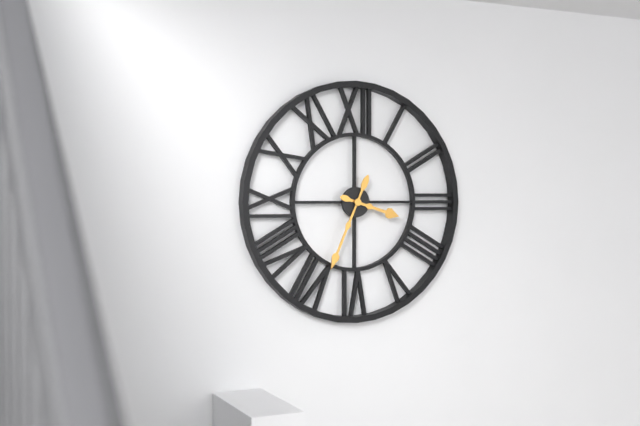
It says 3:34
